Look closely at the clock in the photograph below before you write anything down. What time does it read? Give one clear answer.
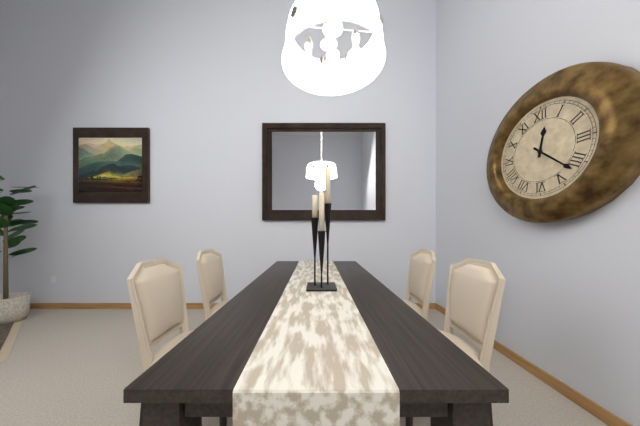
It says 12:22
